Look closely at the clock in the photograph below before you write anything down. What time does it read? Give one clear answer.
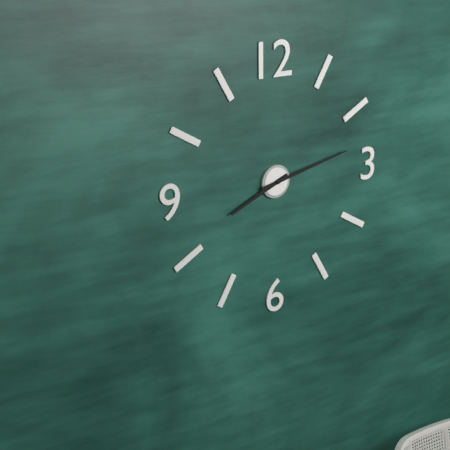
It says 8:13
